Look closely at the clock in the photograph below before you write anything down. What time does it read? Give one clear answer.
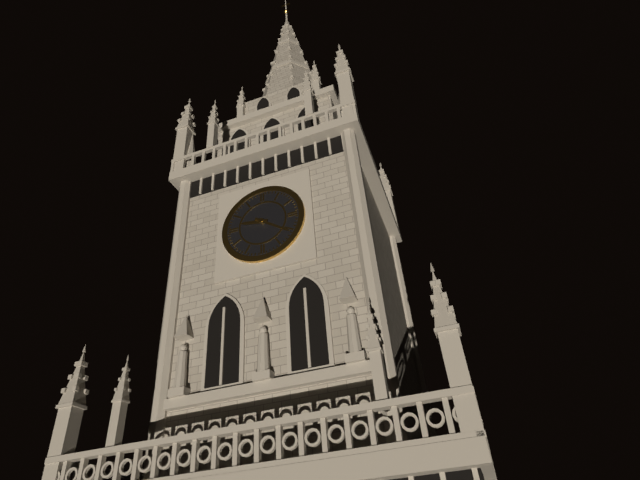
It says 9:21
